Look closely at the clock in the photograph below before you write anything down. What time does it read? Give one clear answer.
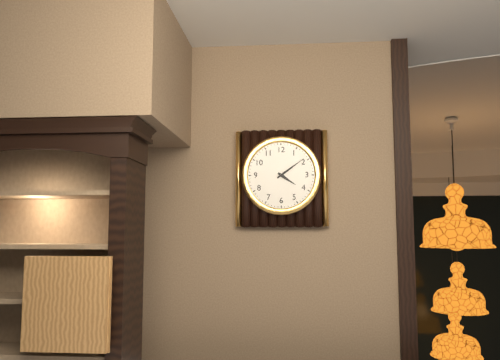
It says 4:09
